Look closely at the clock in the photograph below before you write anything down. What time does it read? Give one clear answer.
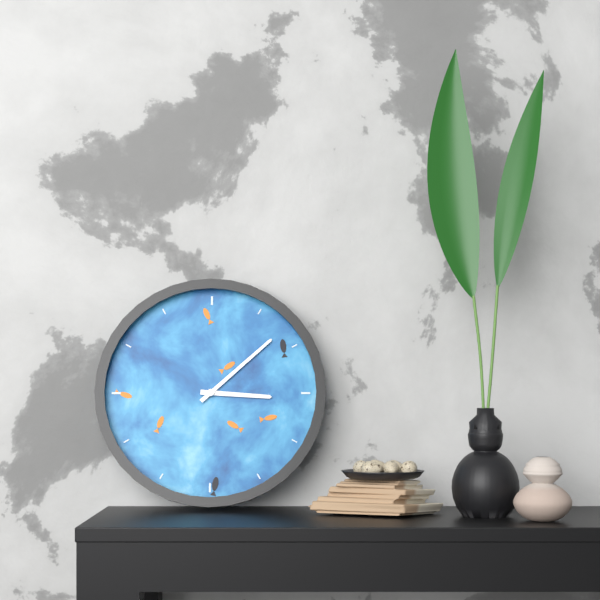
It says 3:08
